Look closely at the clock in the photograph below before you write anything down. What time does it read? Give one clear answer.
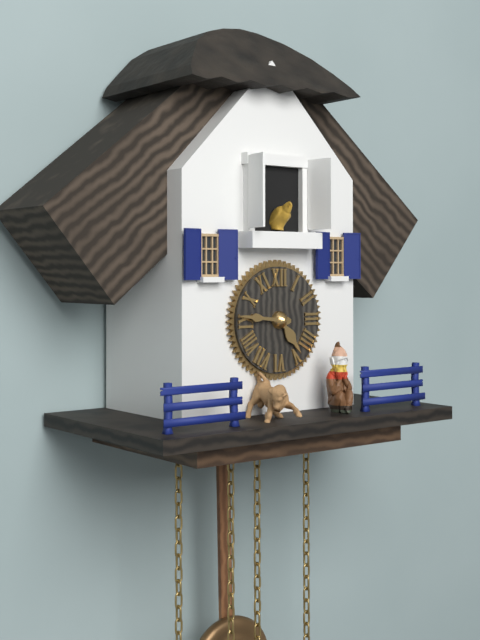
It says 4:46
